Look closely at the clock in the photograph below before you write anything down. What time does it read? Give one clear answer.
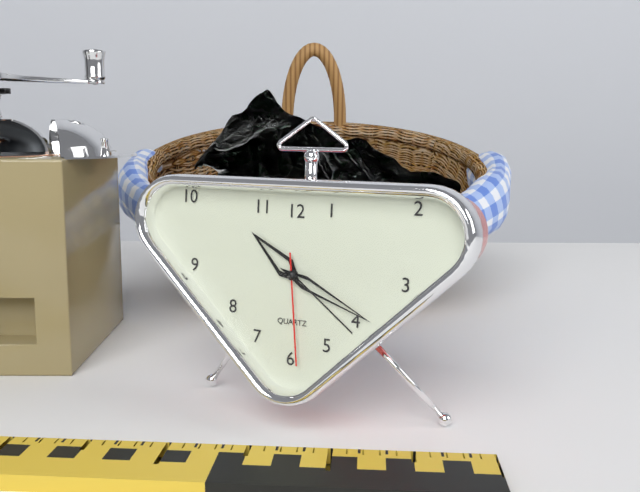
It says 10:19:29
